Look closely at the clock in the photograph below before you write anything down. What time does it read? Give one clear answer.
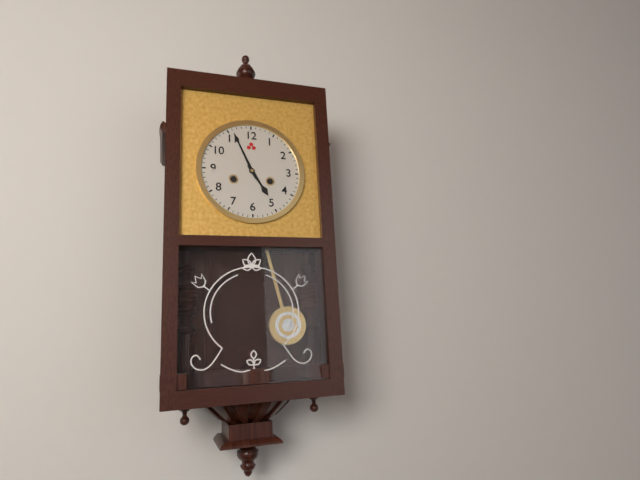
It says 4:56
